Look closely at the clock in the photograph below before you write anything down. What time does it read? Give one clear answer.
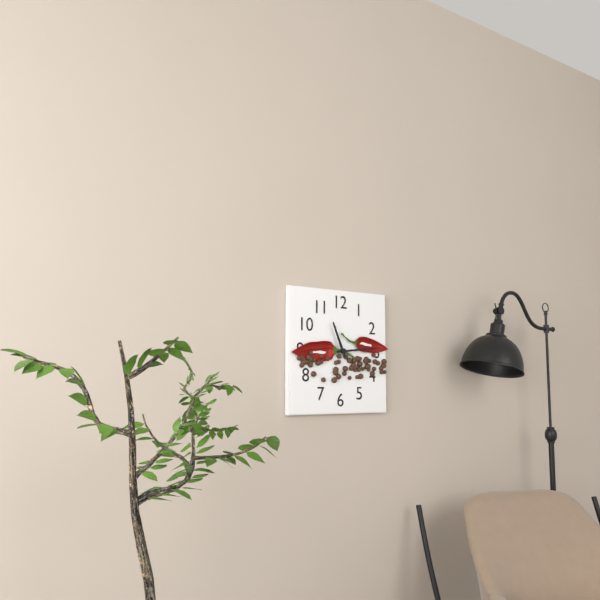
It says 11:14
